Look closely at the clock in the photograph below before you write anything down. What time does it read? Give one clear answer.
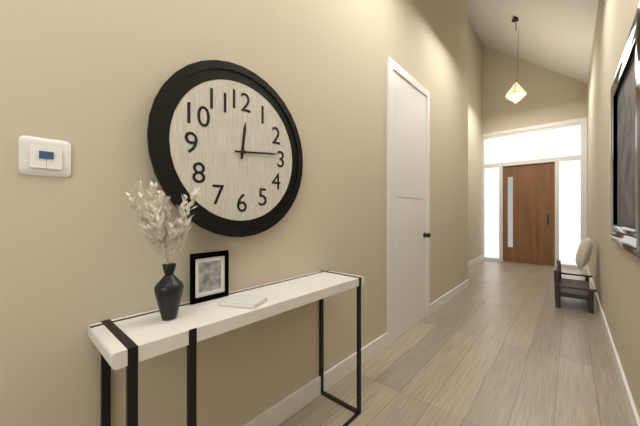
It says 12:14
